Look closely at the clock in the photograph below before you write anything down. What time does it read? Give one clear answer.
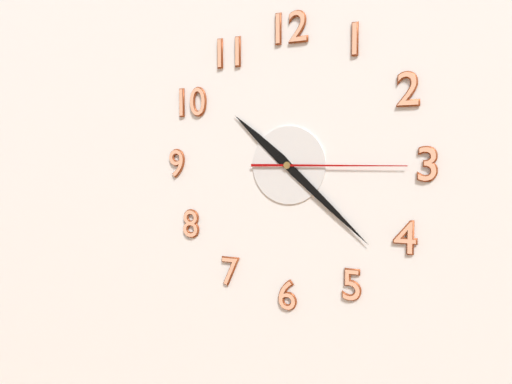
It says 10:22:15
